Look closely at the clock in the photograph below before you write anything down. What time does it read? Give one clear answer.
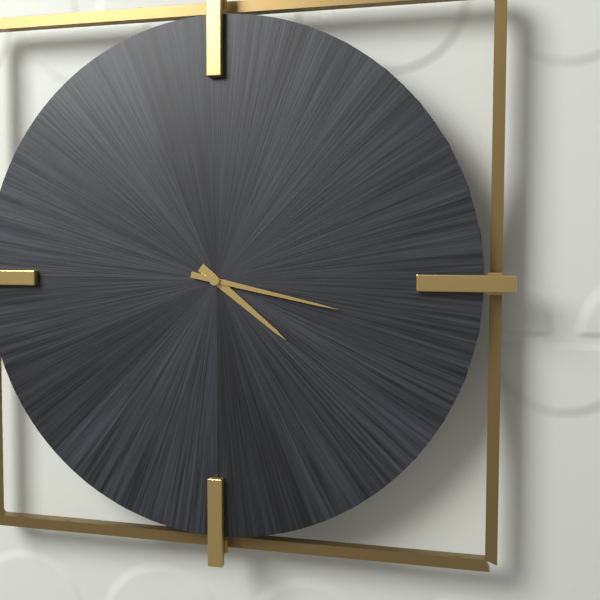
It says 4:17
